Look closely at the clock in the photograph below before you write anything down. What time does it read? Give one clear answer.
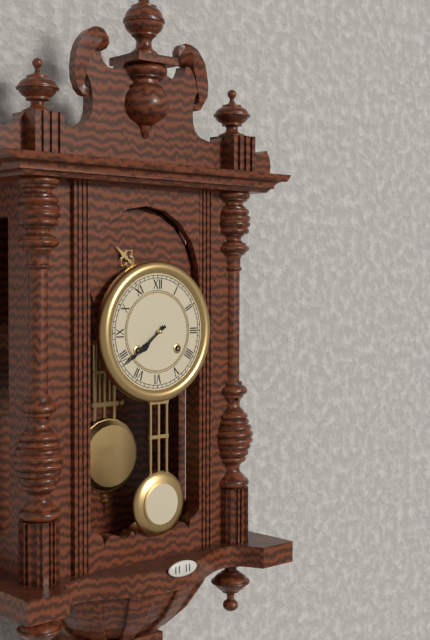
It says 7:39
